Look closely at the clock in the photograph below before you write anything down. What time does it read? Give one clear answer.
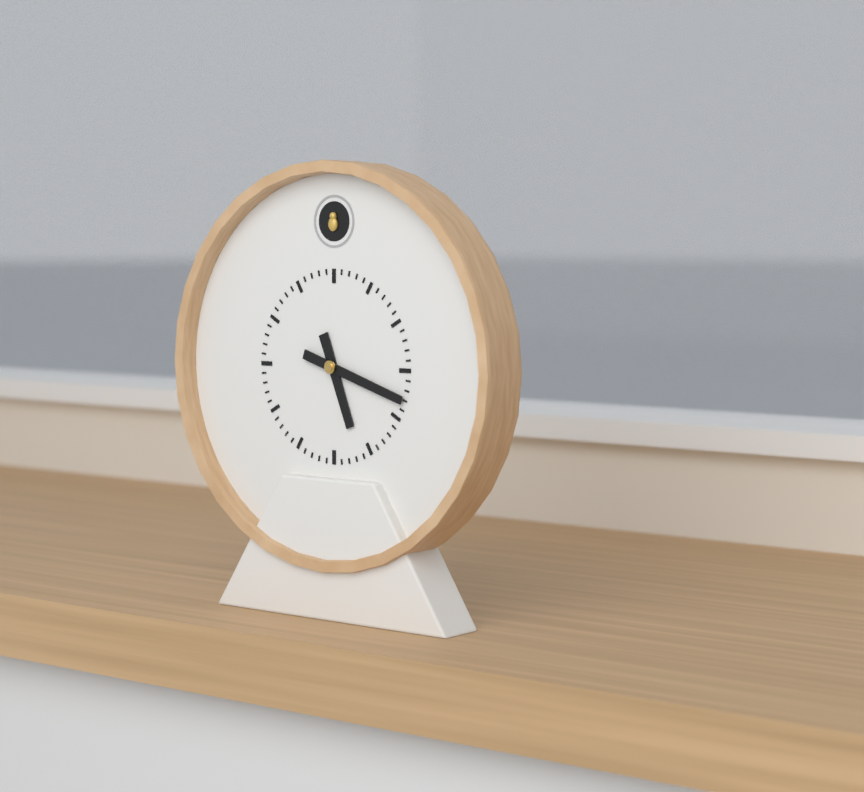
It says 5:18
